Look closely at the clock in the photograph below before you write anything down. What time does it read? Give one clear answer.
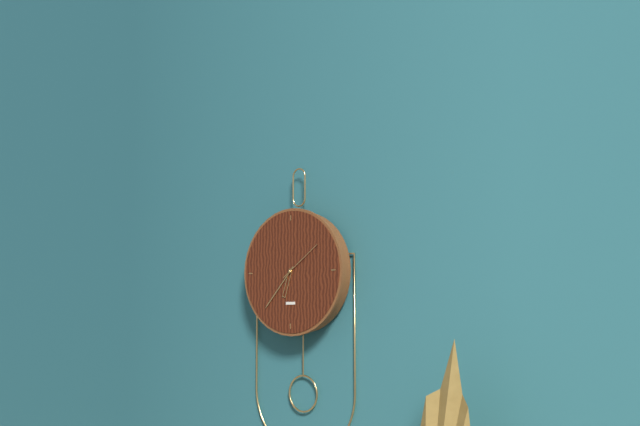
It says 6:37
